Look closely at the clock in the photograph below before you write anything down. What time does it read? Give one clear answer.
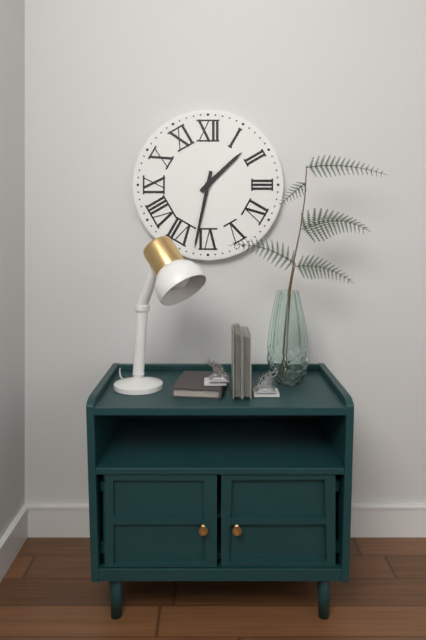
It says 1:32
